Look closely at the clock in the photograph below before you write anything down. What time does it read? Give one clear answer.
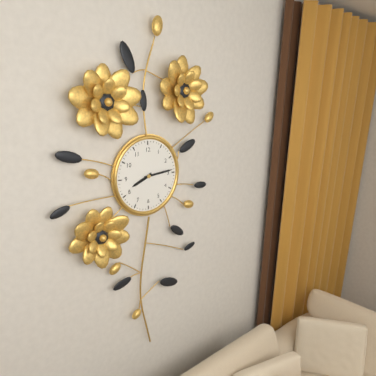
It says 8:14
